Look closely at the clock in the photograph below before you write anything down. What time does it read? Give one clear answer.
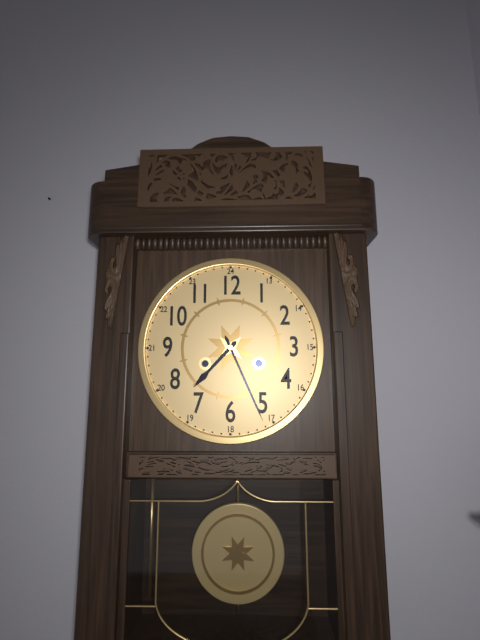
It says 7:26
